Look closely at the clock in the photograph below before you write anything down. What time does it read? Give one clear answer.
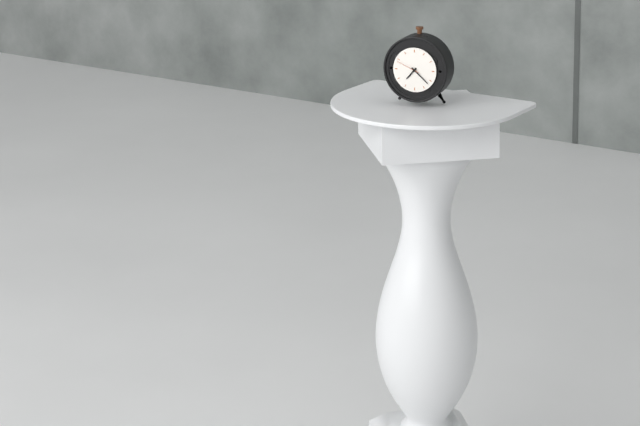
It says 7:22
